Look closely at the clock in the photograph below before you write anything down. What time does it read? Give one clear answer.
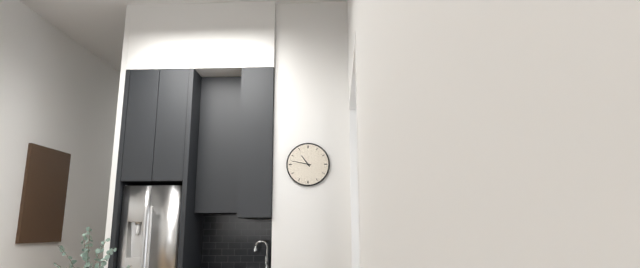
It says 10:47
